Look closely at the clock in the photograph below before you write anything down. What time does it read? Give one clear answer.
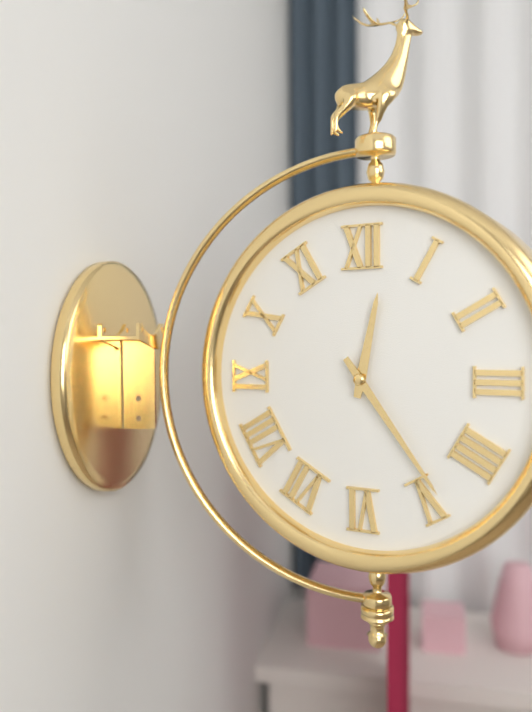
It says 12:24
